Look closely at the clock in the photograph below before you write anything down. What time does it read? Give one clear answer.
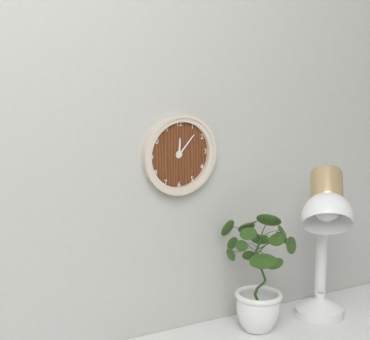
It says 12:07
